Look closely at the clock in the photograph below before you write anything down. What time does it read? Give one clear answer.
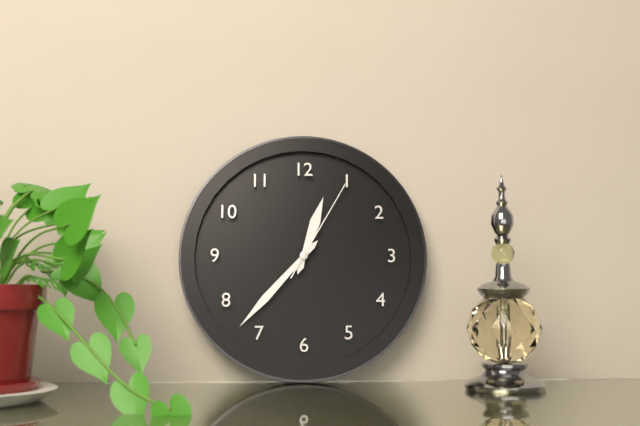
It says 12:37:05
